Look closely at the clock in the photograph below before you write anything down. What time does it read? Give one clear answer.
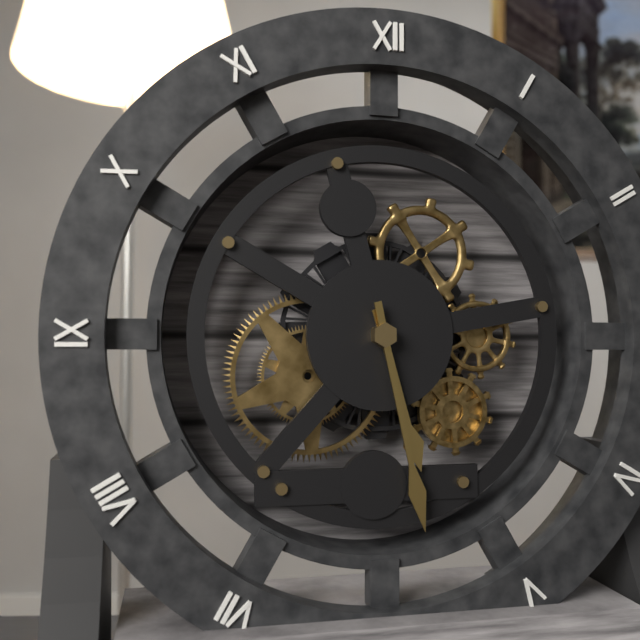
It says 5:28
